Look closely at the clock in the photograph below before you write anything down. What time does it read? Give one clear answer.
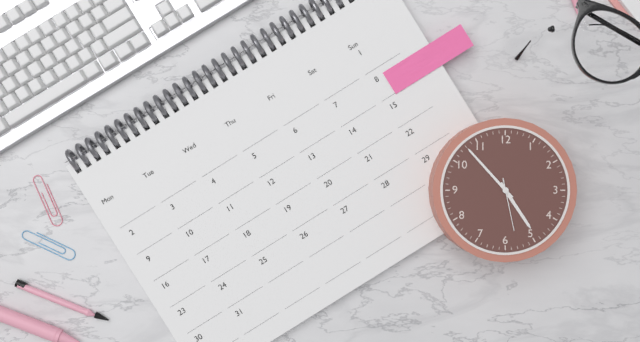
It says 4:53:28
